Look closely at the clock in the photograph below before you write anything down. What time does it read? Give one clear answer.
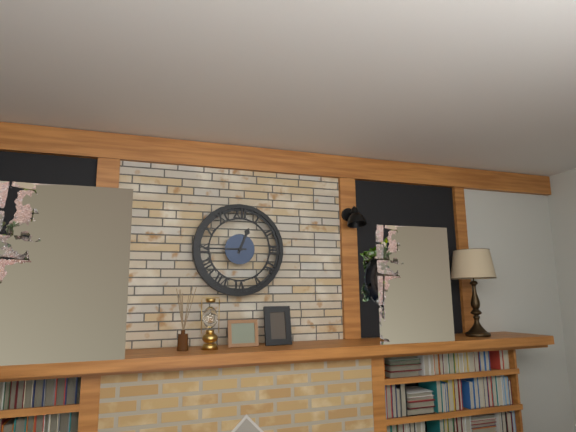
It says 12:45
